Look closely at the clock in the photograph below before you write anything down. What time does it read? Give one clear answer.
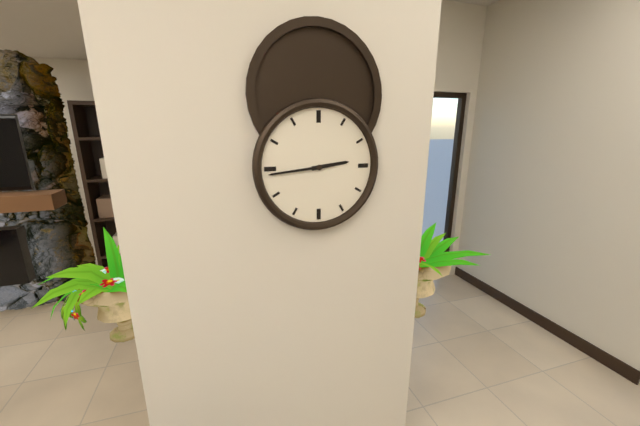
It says 2:44
